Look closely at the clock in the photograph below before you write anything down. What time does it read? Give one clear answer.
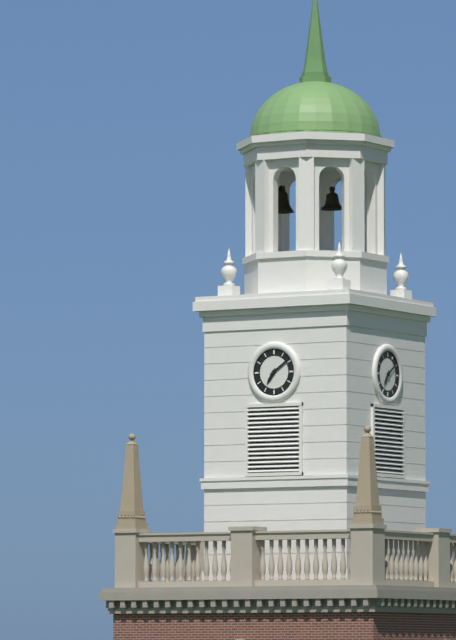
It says 7:09
